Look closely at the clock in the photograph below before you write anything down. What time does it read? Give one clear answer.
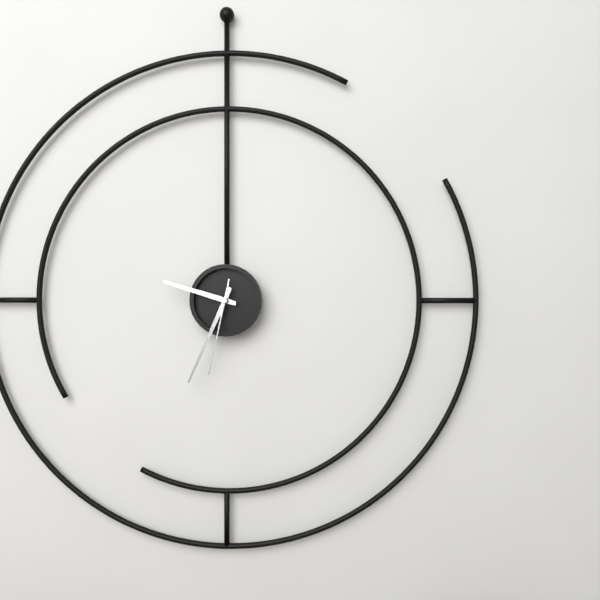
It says 9:34:32
